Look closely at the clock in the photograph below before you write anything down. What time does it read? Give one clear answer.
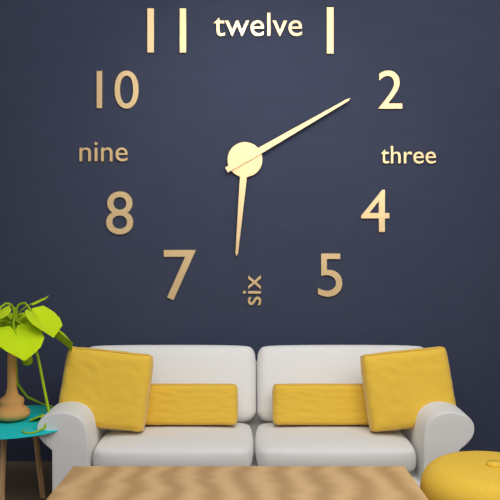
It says 6:10
